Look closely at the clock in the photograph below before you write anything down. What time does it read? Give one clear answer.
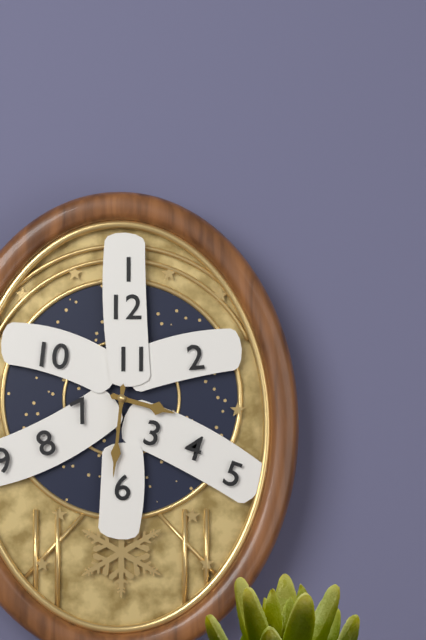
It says 3:31
